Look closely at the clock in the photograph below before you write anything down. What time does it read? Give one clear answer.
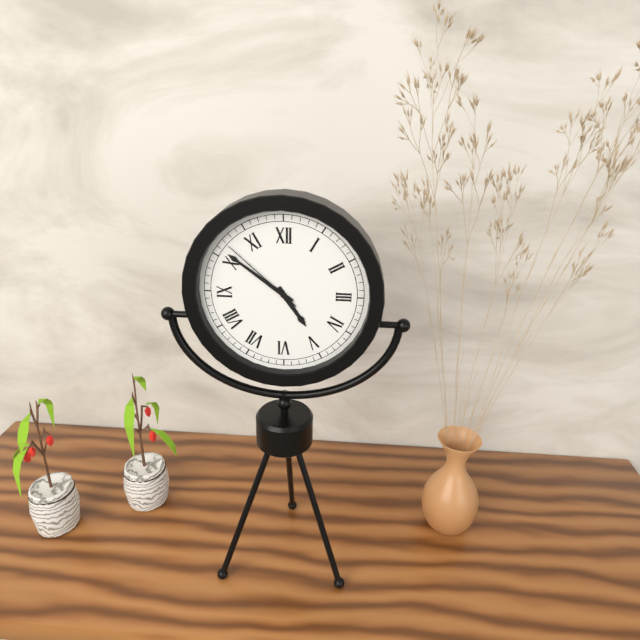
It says 4:51:52
